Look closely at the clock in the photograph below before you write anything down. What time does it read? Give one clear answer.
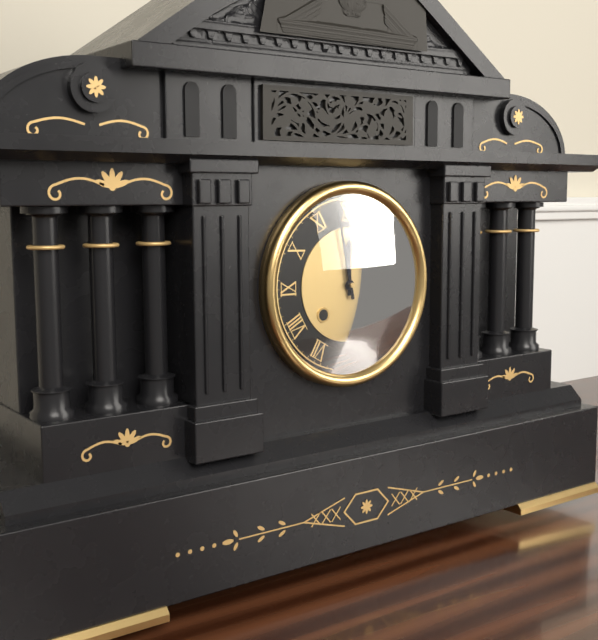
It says 11:58
